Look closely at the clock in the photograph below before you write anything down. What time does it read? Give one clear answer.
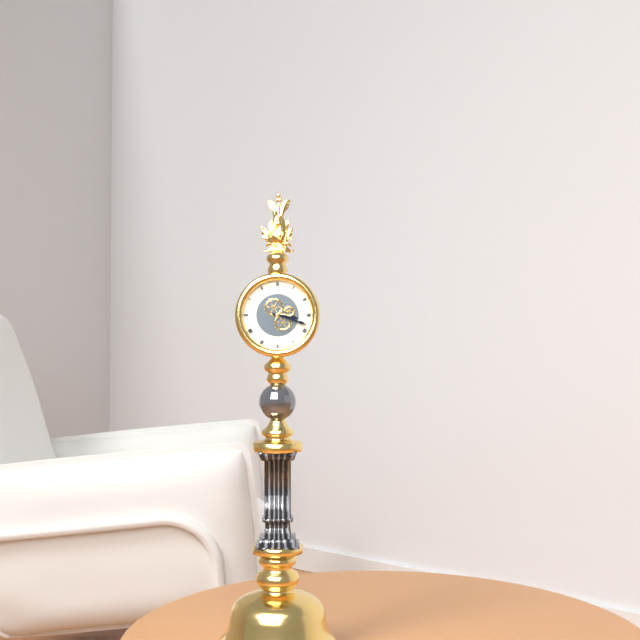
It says 3:18
